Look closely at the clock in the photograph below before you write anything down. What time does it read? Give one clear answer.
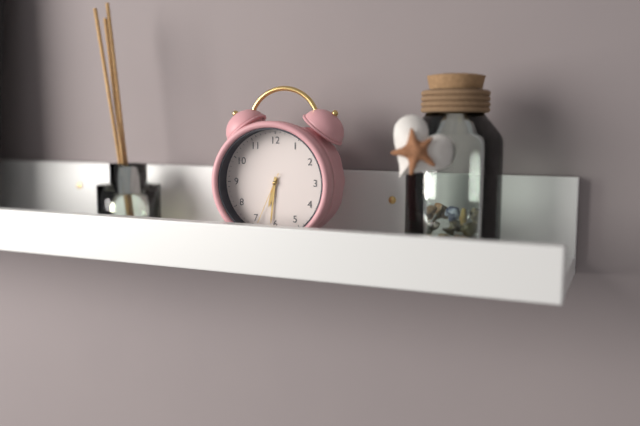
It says 6:31:34
